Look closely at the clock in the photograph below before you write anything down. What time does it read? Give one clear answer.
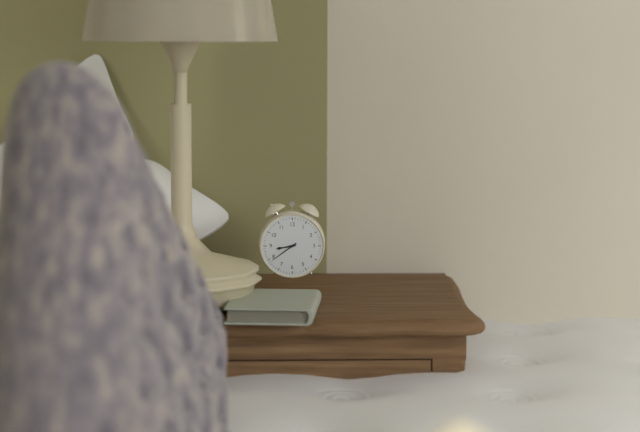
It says 8:39
